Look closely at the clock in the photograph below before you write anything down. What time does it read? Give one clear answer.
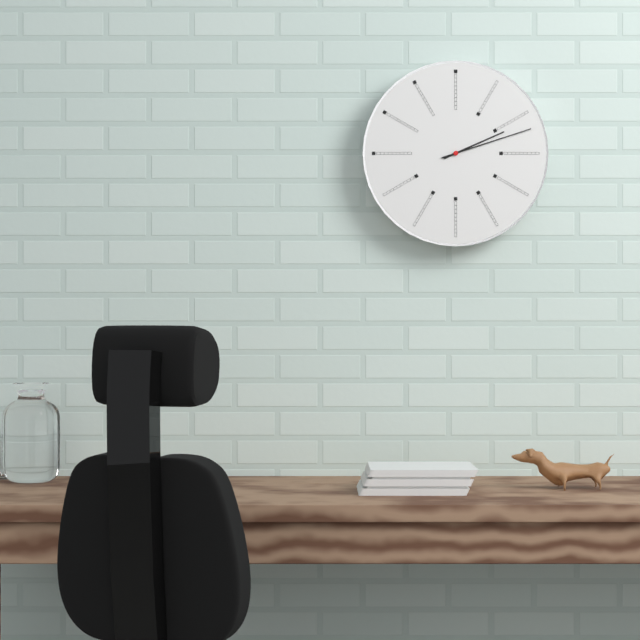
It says 2:12
